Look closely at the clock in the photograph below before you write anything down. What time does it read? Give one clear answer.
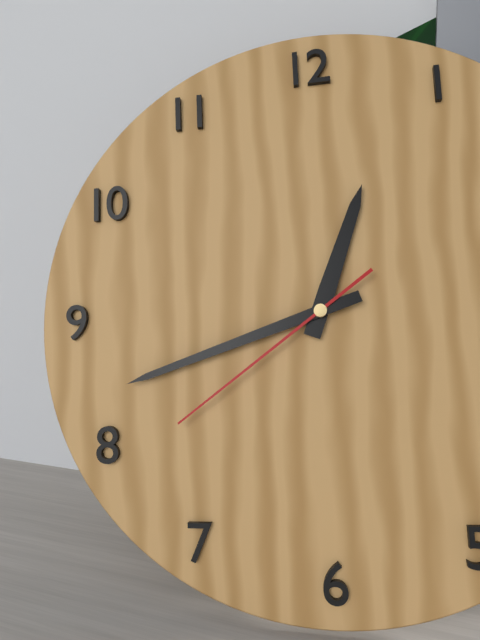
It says 12:42:39
